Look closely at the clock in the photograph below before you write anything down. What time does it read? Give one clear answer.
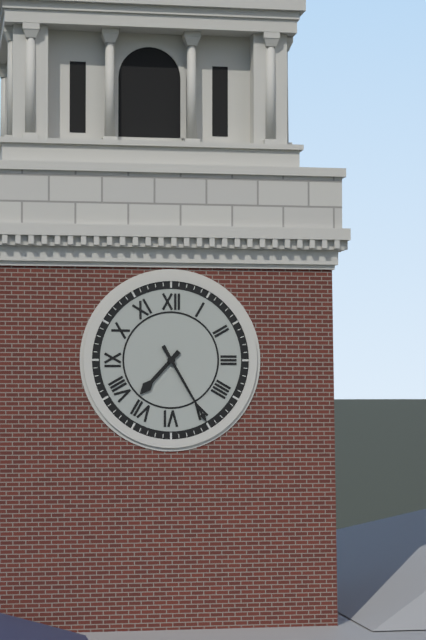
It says 7:25
